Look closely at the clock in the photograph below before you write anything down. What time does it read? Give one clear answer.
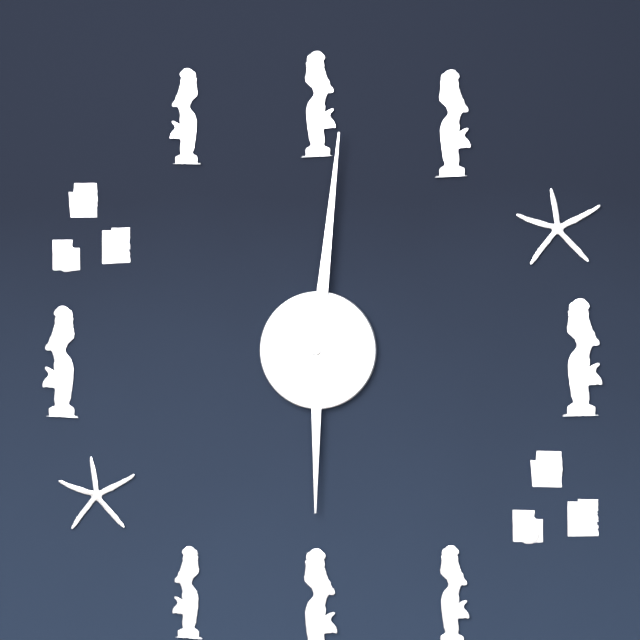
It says 6:01
